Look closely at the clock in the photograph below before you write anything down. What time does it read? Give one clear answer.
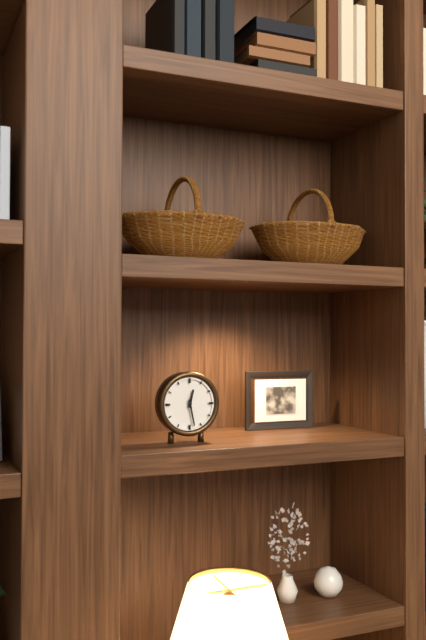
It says 12:28
